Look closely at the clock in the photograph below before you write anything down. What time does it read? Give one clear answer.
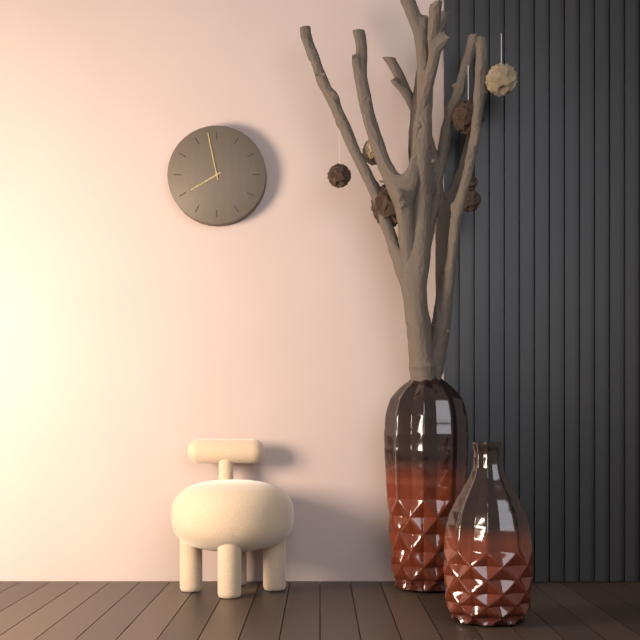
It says 7:58
